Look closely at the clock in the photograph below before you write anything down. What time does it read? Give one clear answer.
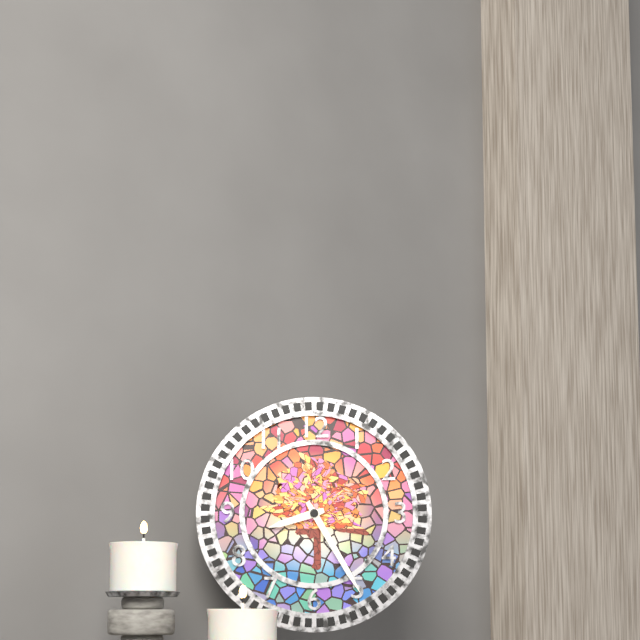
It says 8:25
